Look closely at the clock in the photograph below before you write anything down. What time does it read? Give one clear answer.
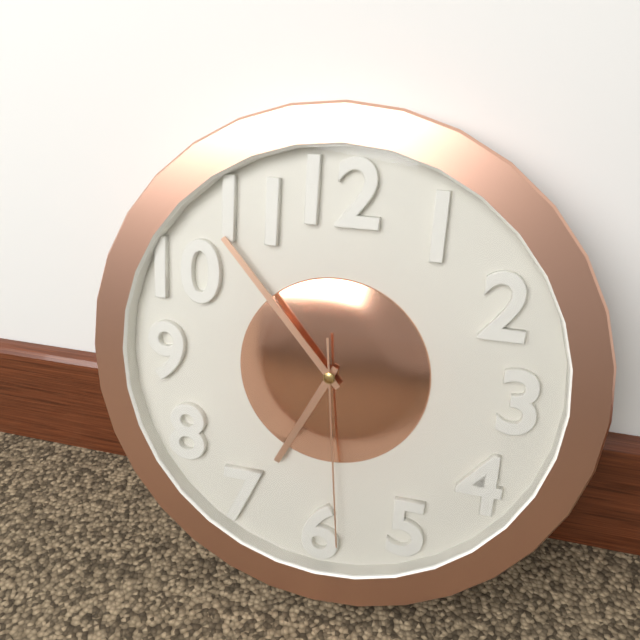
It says 6:53:29
